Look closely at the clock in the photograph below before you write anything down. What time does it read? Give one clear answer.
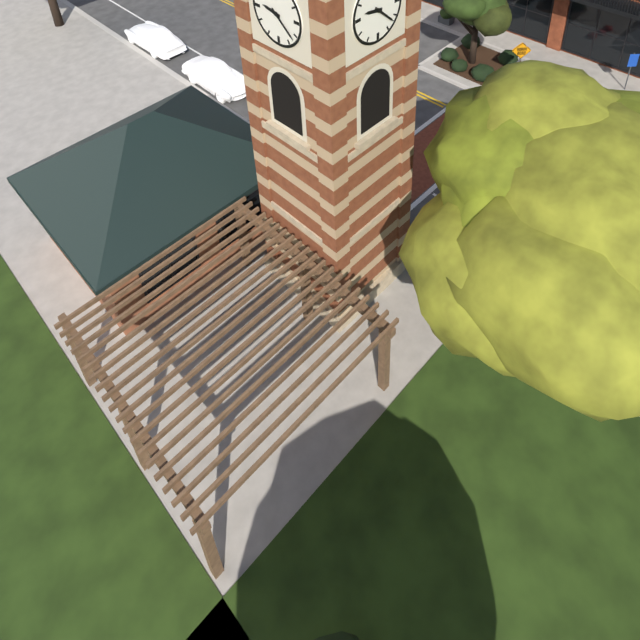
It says 9:22
